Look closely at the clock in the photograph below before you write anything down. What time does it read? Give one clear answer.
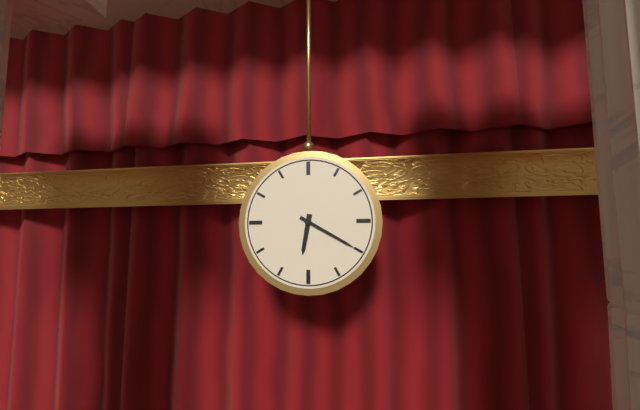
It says 6:20
